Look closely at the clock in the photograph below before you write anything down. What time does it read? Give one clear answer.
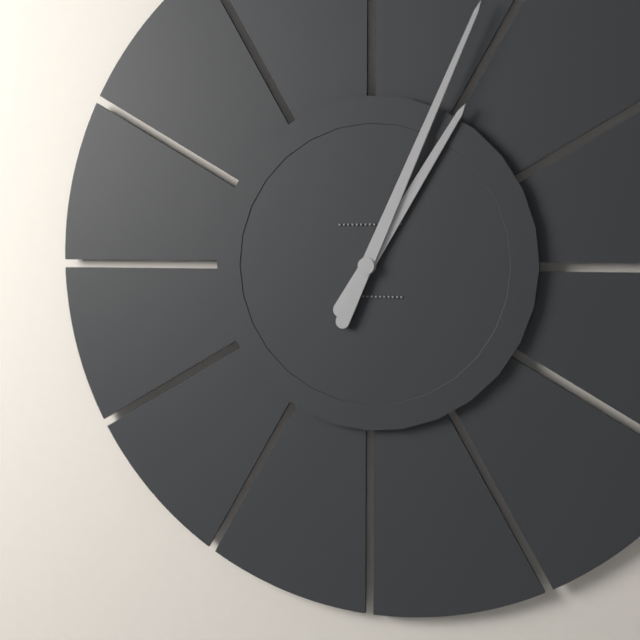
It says 1:04
